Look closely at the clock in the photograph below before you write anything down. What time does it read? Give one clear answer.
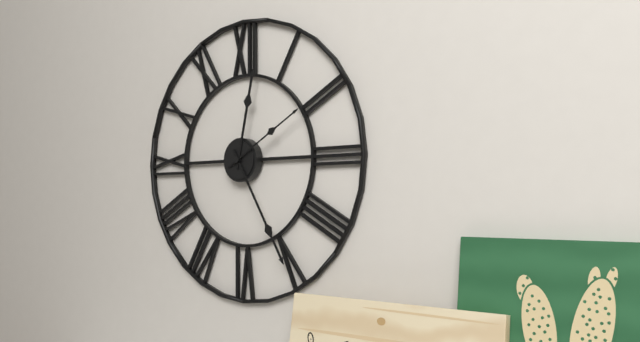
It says 12:25:10
